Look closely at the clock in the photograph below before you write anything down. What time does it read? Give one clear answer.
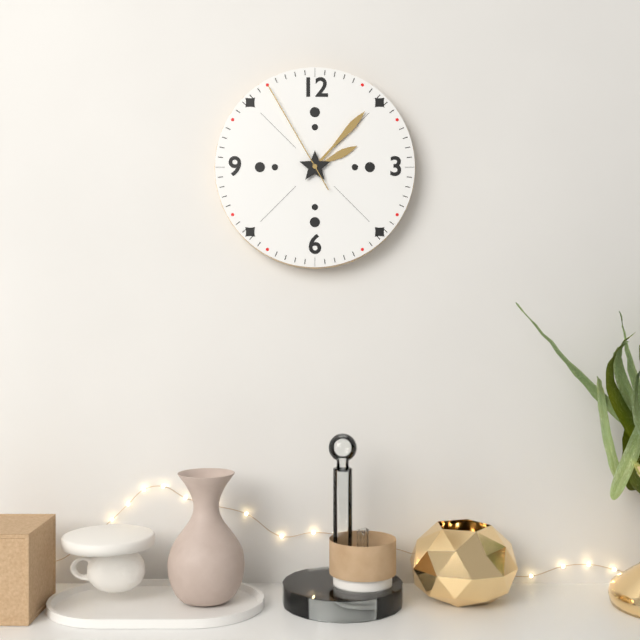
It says 2:07:55
